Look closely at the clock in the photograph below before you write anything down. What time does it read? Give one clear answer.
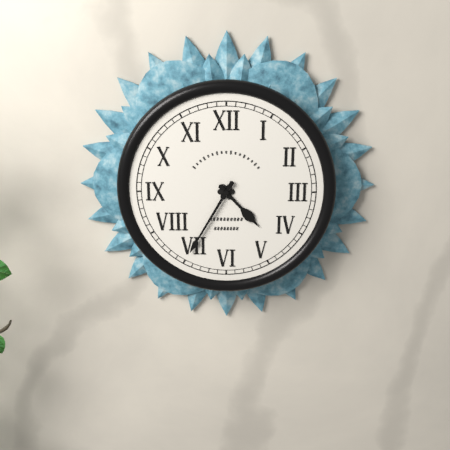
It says 4:35
